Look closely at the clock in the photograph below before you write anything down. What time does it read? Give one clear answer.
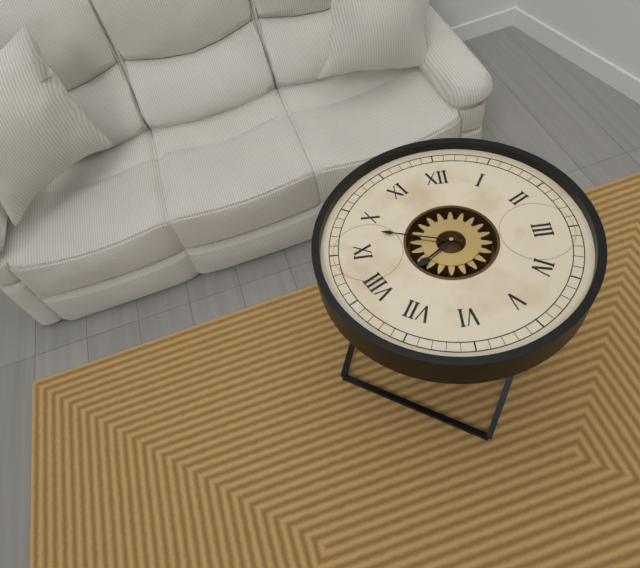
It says 7:48
